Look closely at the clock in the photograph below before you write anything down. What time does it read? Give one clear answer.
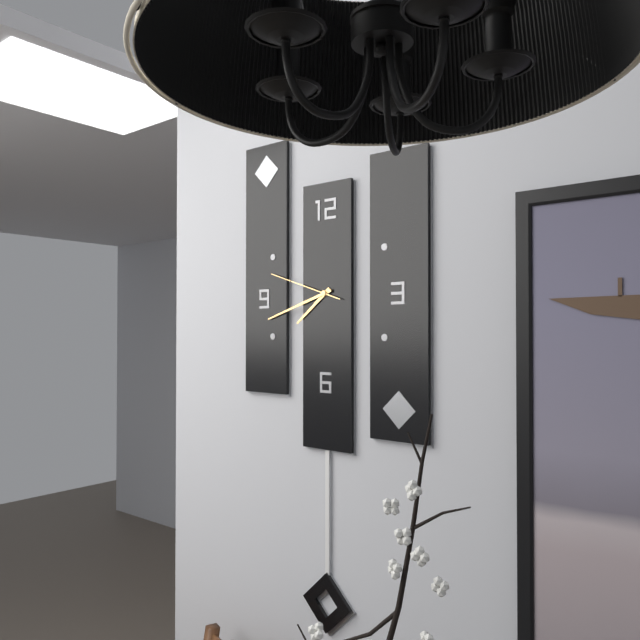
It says 7:42:48
